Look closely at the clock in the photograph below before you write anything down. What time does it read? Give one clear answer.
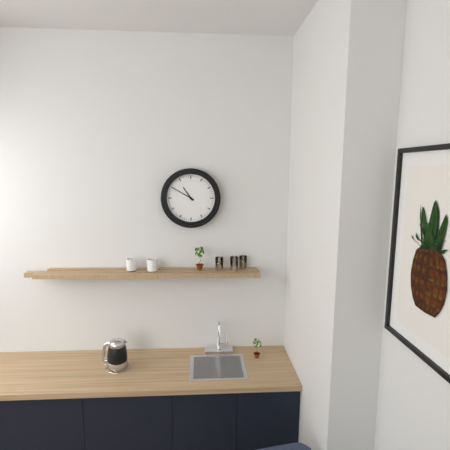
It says 10:50
